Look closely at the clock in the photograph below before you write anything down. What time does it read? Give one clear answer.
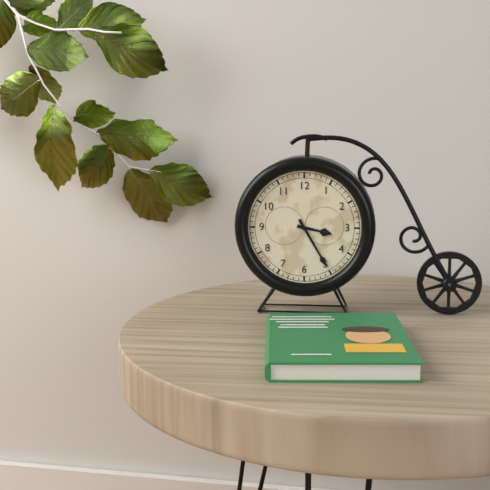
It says 3:25
